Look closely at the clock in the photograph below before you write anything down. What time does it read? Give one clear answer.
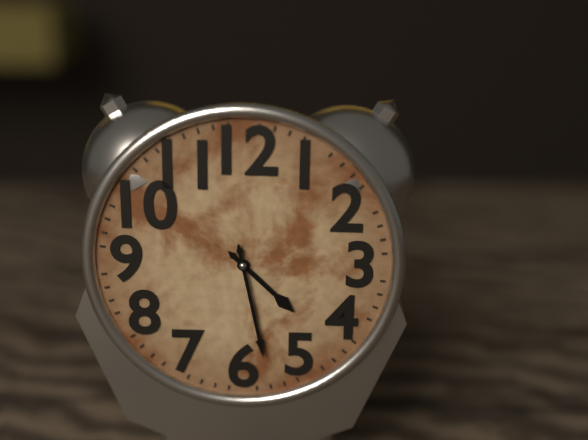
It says 4:28
